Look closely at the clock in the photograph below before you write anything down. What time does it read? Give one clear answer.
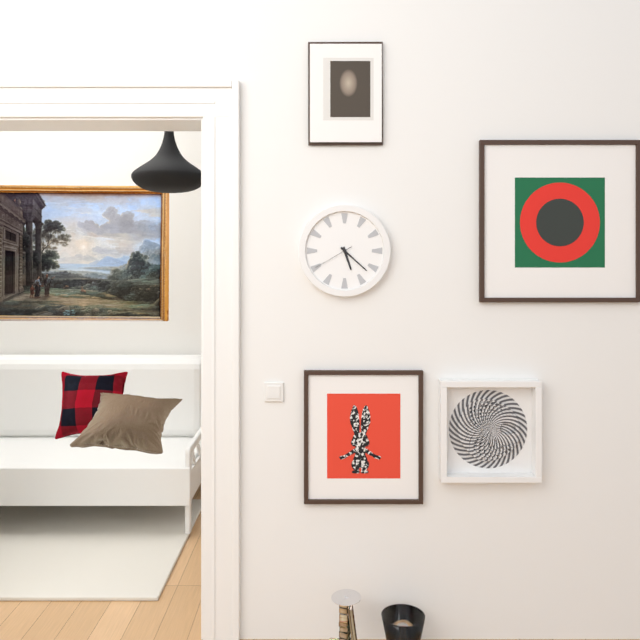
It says 5:22
